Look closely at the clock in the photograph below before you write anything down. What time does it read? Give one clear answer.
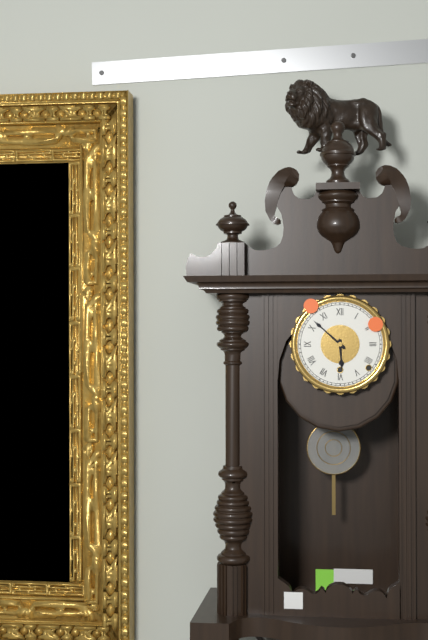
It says 5:52
